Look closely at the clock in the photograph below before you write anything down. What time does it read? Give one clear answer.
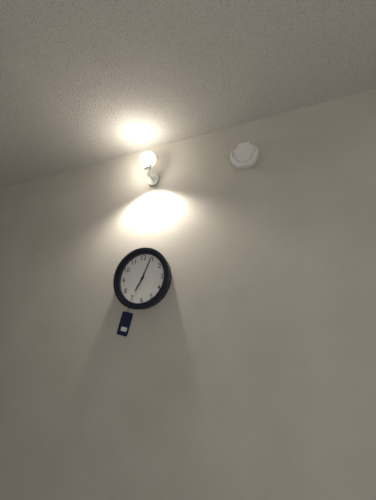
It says 7:04
